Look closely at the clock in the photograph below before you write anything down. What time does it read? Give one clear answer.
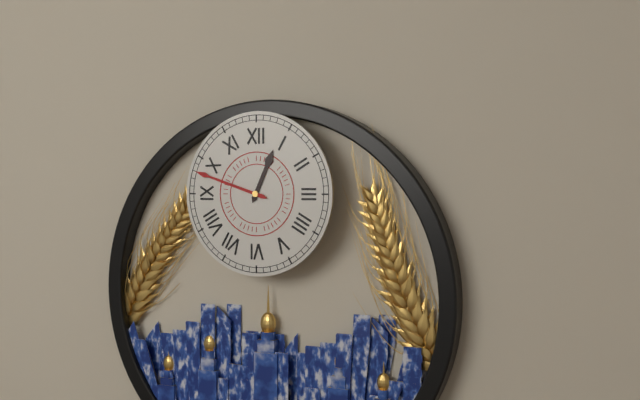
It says 12:48
